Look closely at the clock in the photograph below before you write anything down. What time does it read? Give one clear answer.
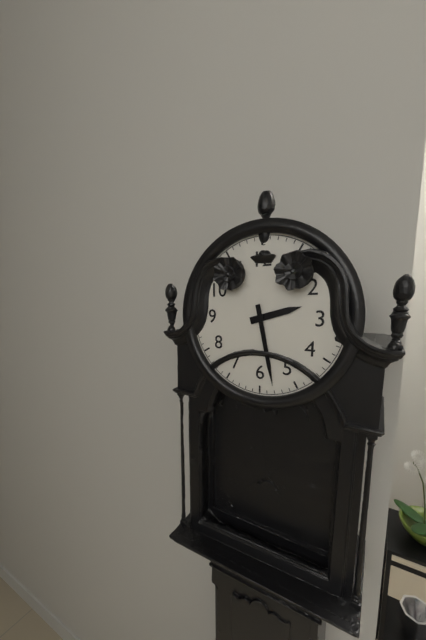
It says 2:28
